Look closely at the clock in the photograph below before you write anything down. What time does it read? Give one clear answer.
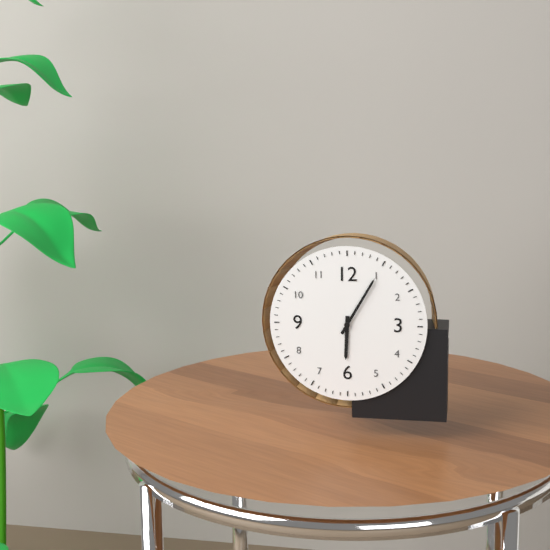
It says 6:05
